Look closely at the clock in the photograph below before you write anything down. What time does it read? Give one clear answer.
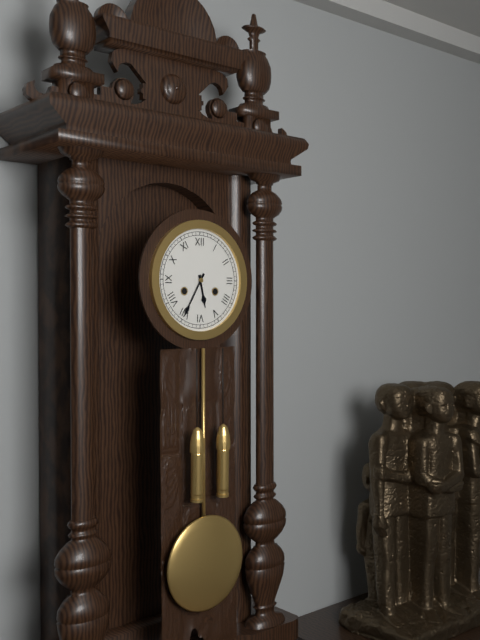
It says 5:35
